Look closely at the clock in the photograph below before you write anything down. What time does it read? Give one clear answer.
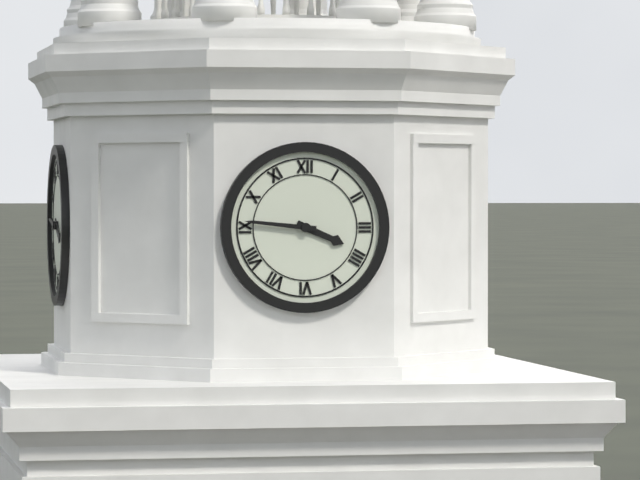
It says 3:46
